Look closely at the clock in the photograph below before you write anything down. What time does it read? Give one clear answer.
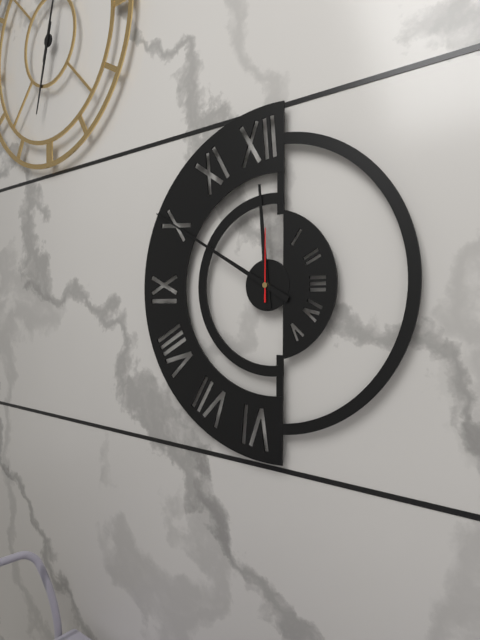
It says 11:50:00
